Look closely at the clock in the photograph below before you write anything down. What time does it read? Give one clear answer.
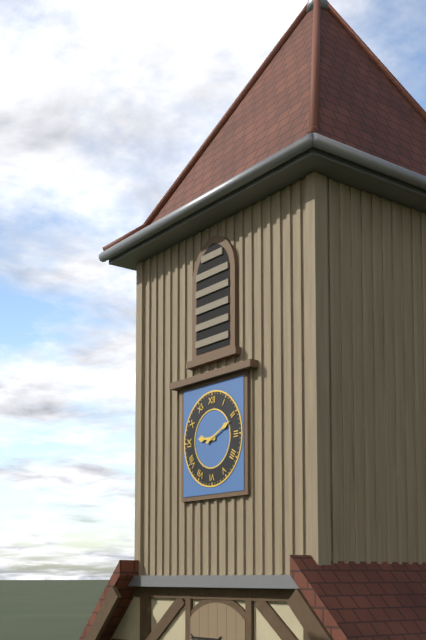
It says 9:11
